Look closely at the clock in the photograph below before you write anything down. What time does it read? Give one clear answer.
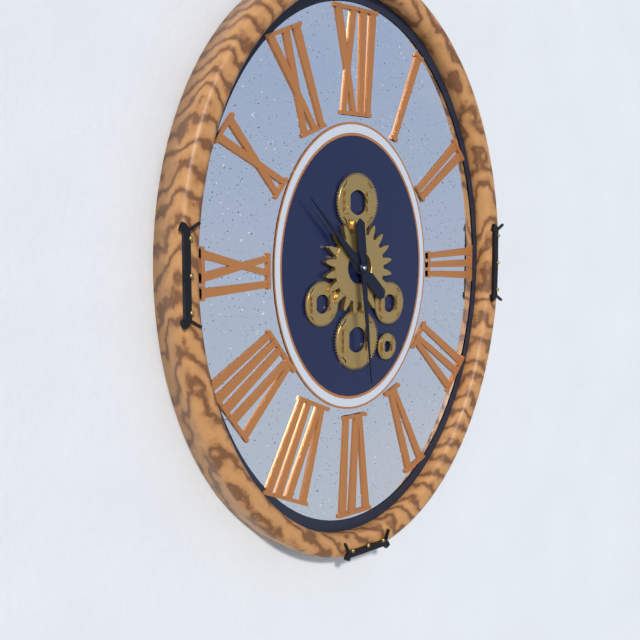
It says 10:29
